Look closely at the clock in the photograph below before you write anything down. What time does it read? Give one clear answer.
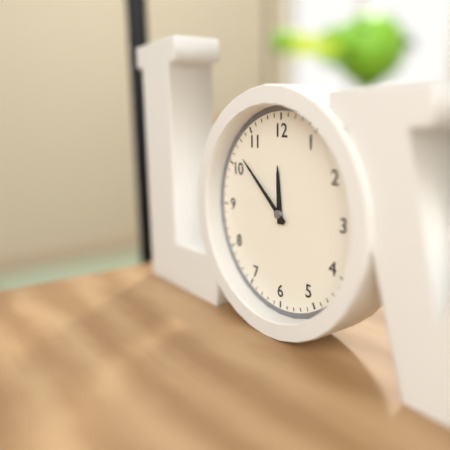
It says 11:52
